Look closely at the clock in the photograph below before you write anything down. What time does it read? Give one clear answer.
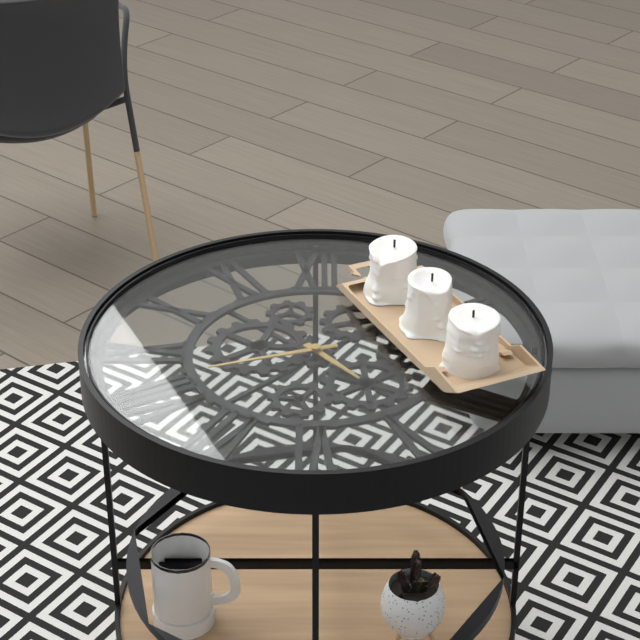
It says 4:42
